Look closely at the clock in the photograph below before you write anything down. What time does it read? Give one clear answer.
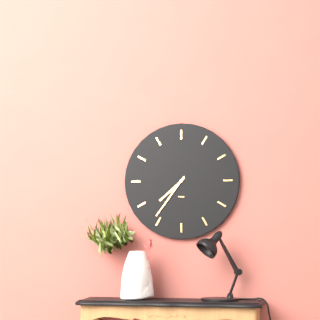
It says 7:36
